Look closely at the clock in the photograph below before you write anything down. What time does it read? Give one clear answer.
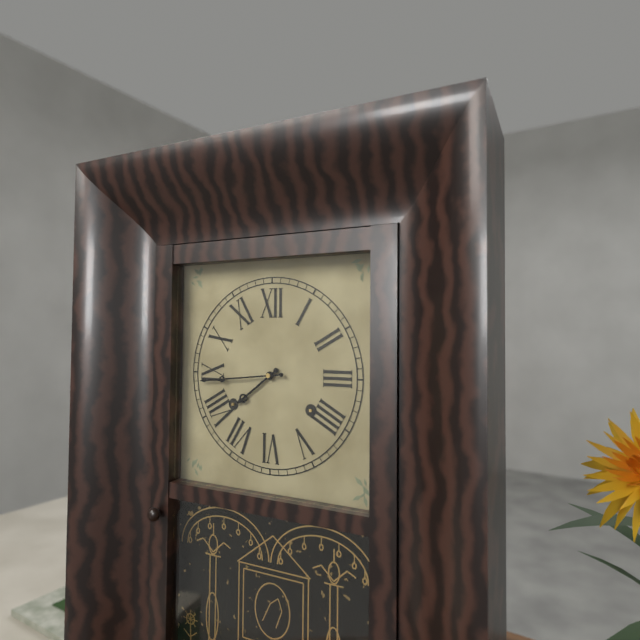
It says 7:44
